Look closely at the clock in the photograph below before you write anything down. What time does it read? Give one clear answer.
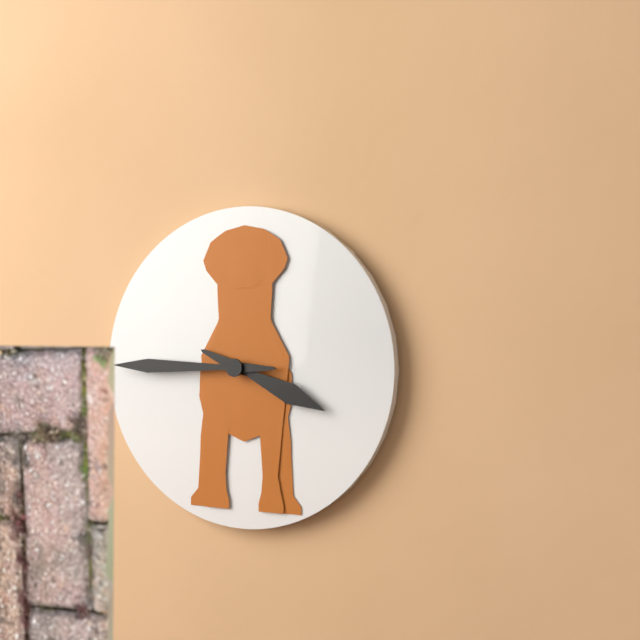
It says 3:45
